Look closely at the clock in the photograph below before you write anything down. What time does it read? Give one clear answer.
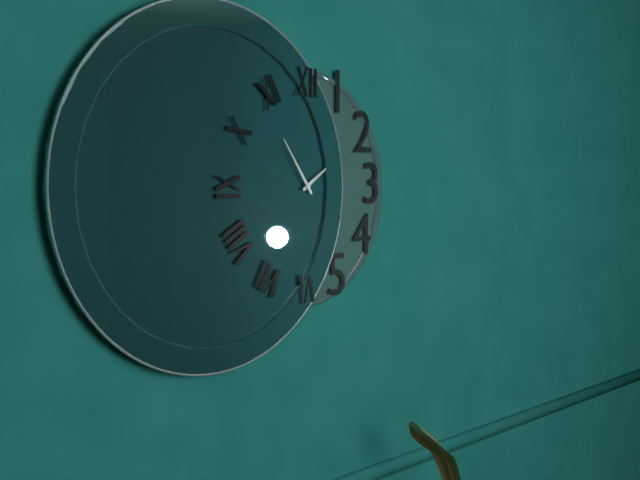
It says 1:54
